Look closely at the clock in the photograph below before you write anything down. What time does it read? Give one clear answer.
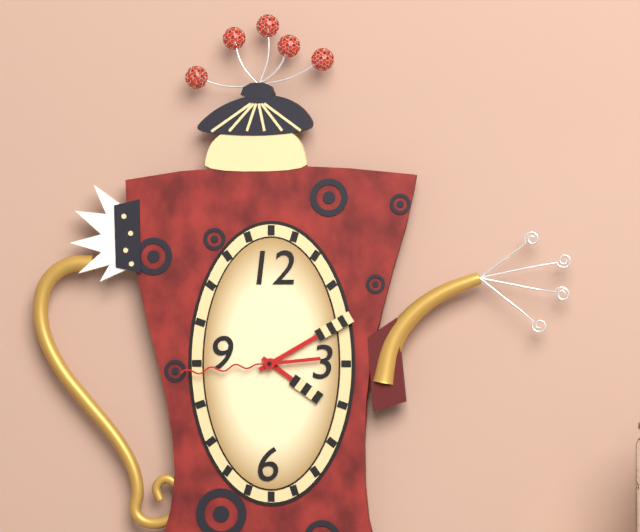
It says 4:10:44
